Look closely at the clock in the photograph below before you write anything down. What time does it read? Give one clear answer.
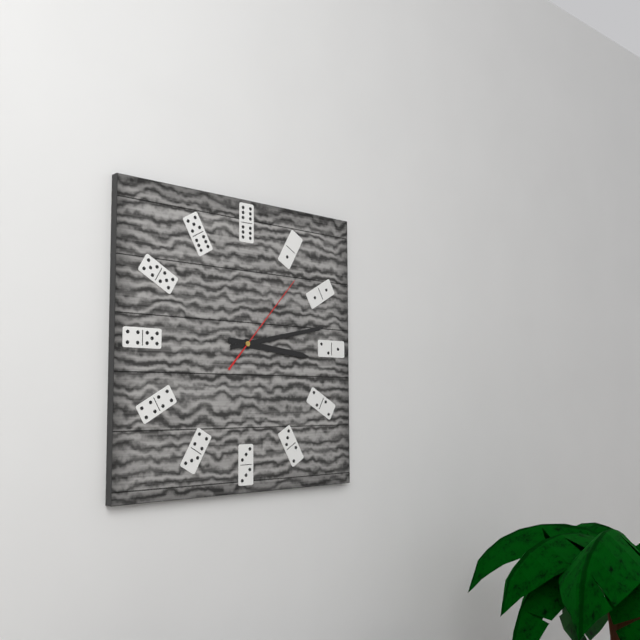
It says 3:13:07
